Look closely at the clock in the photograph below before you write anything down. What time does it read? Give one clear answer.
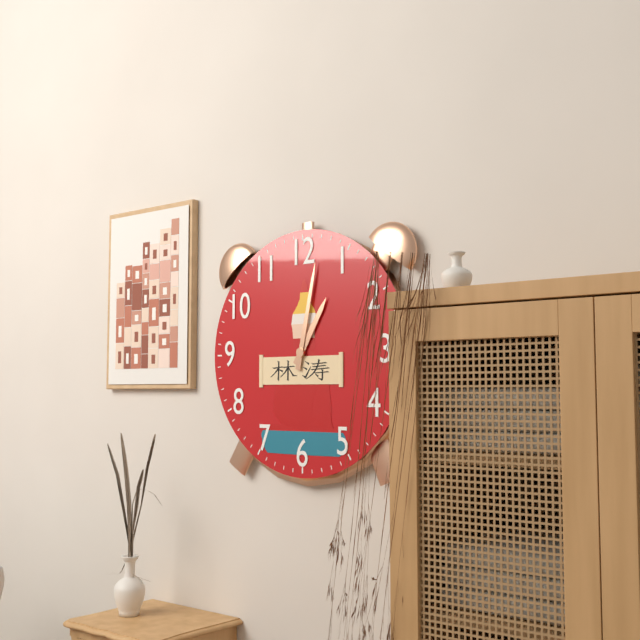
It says 1:02
